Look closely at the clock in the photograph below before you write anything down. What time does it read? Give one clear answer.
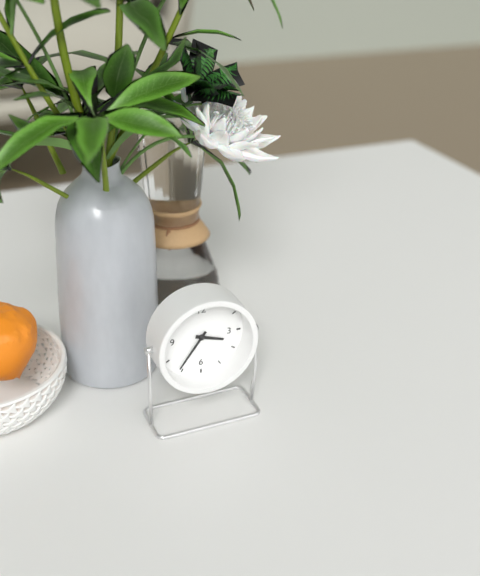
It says 3:36
